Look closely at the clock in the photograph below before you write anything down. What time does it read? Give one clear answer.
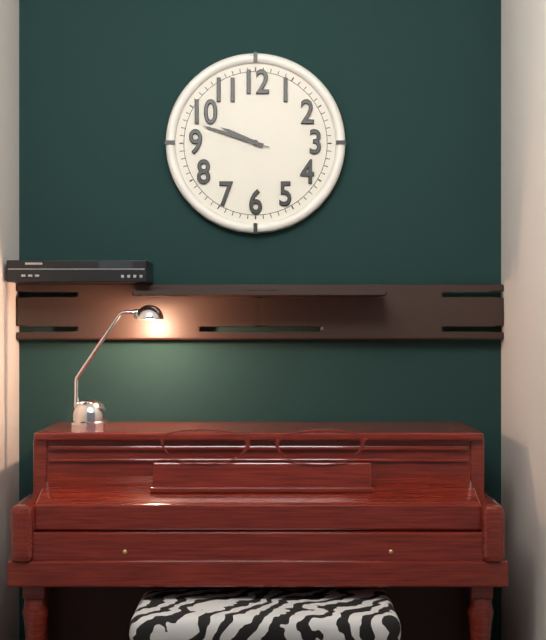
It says 9:48:48
